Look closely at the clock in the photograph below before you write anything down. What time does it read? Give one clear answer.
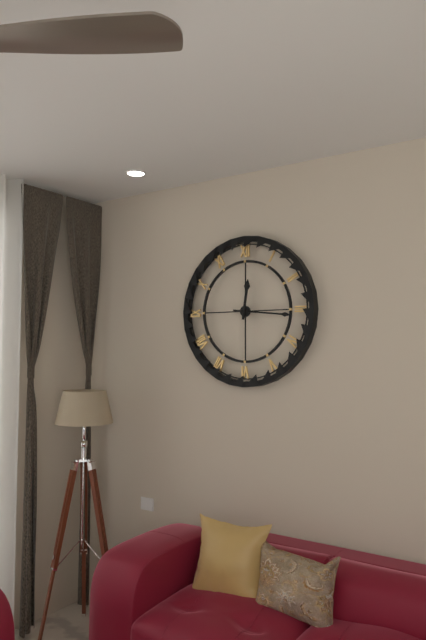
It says 12:16
